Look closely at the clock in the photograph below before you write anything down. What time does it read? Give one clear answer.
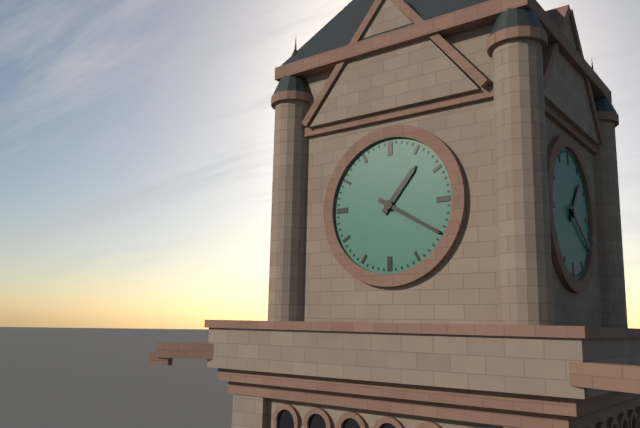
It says 1:20
